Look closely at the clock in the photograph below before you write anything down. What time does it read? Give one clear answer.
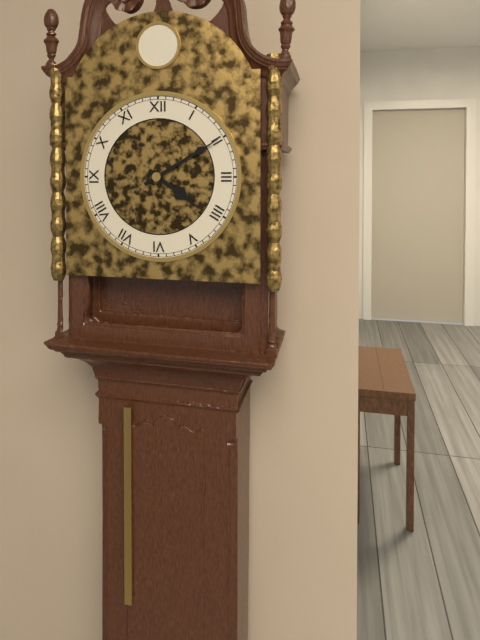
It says 4:10
